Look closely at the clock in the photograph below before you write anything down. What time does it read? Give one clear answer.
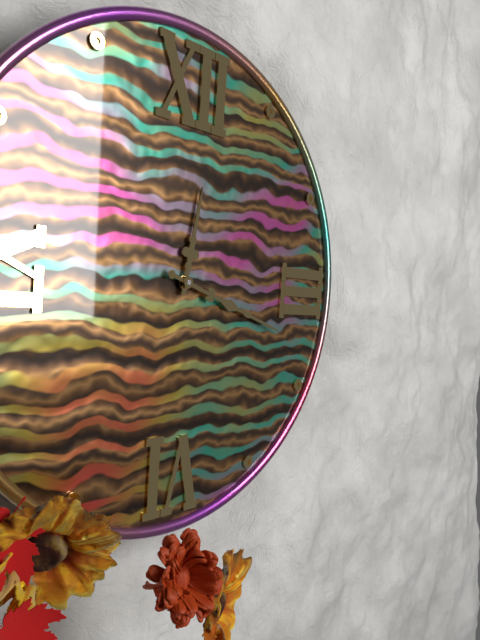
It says 12:18
